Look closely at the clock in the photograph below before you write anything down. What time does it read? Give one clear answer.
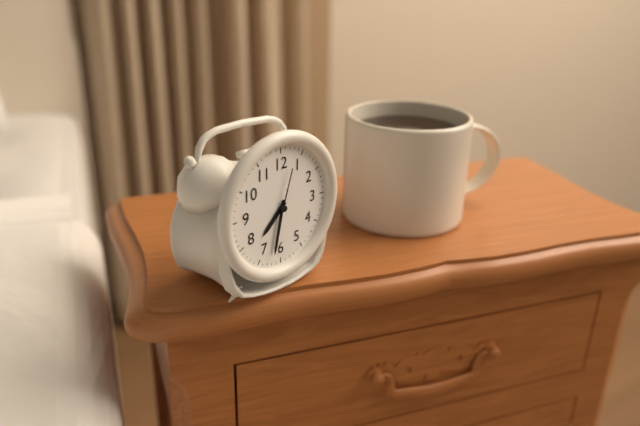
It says 7:32:03
